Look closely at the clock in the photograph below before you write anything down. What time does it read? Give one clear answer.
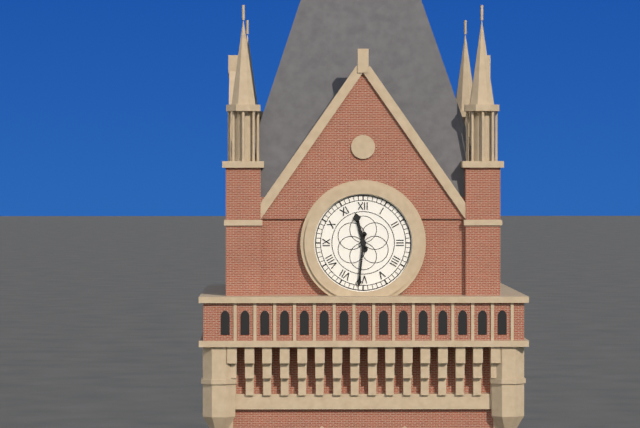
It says 11:31
